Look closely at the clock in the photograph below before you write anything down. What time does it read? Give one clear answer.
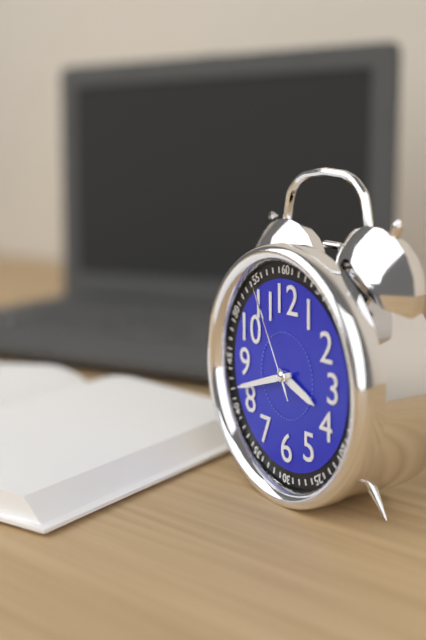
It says 3:42:55
